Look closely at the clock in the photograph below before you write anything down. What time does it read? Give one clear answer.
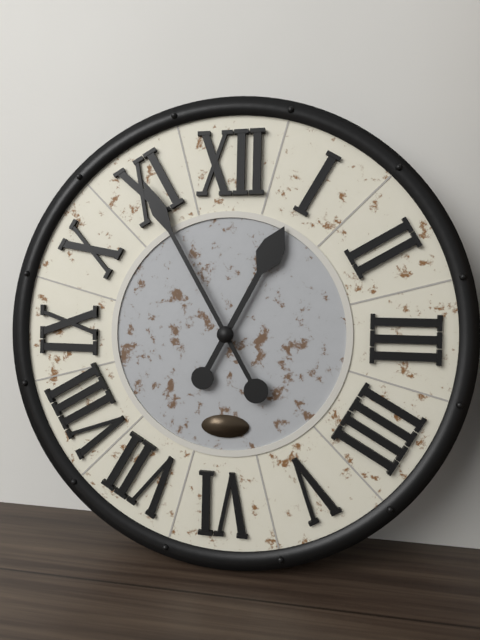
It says 12:55
